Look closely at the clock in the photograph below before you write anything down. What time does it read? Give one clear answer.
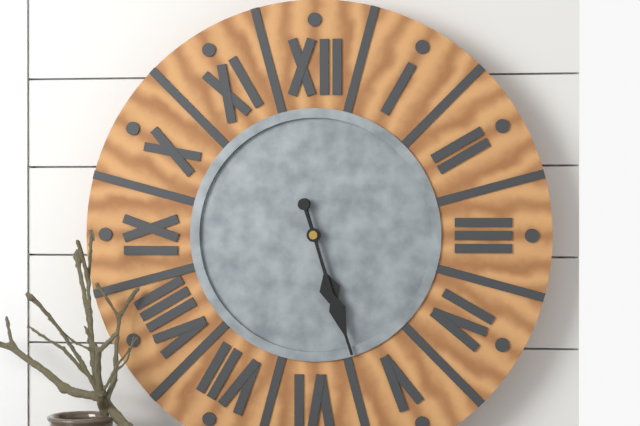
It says 5:27
